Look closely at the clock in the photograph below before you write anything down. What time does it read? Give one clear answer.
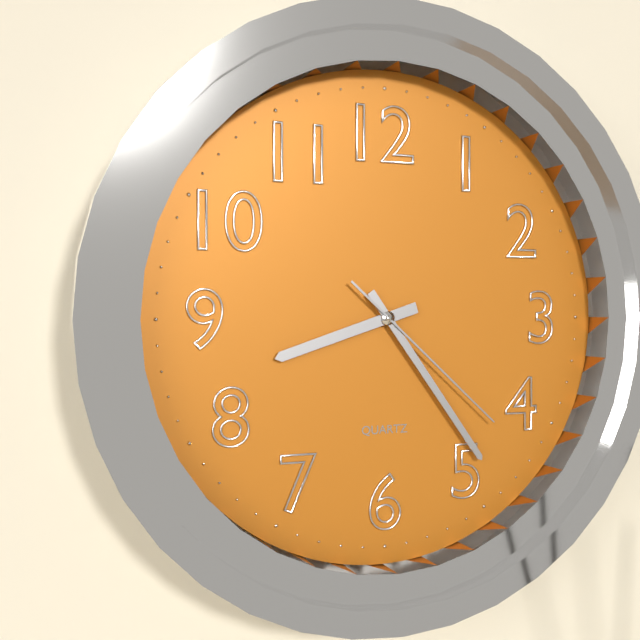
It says 8:24:22
